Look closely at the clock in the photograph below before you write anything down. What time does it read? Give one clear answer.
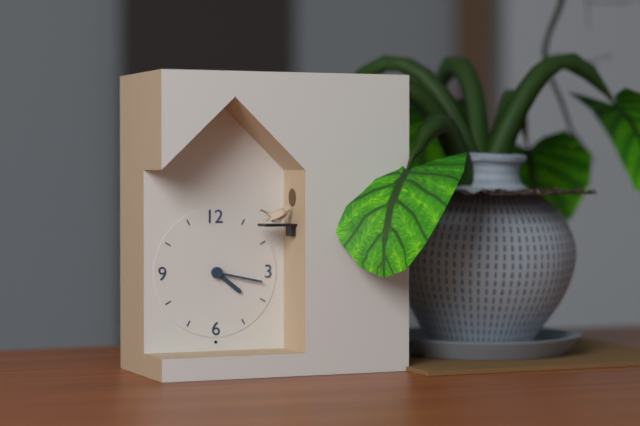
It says 4:17
